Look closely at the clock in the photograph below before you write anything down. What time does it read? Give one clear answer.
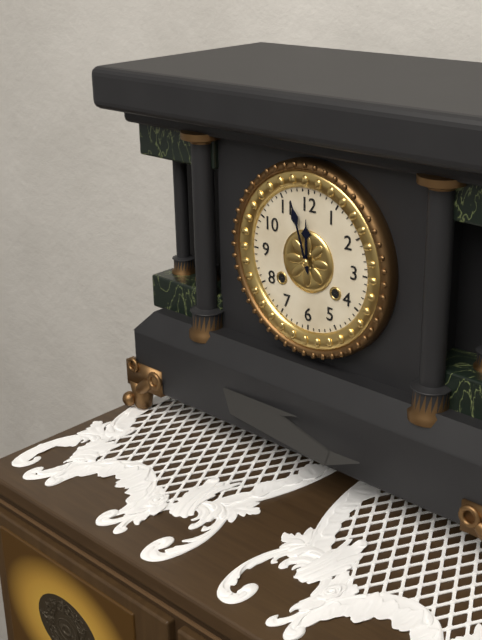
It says 11:57
